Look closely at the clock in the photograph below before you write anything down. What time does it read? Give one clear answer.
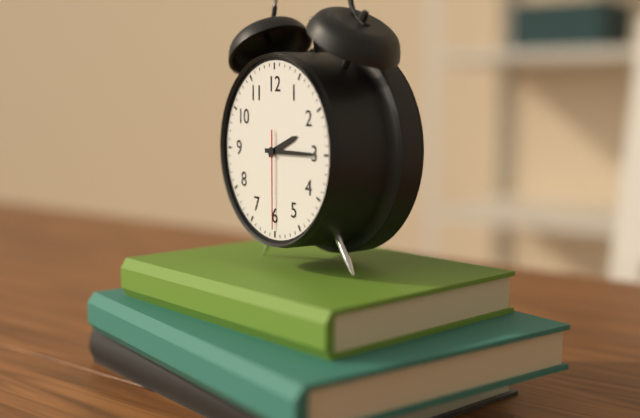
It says 2:15:30
